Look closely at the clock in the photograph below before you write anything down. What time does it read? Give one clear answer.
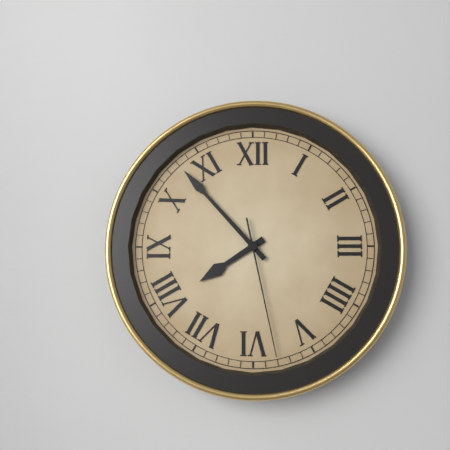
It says 7:53:28
